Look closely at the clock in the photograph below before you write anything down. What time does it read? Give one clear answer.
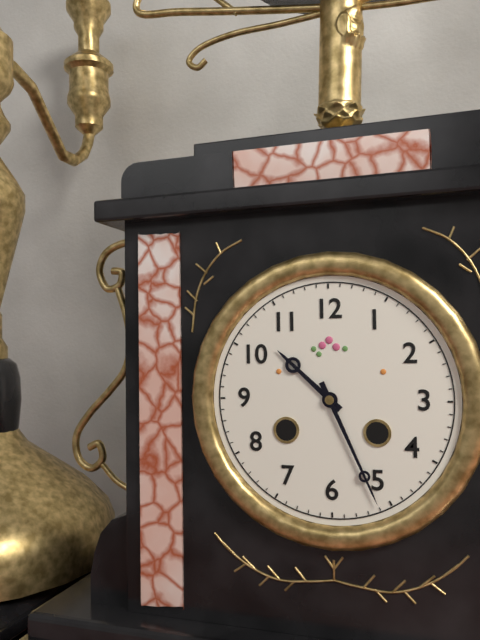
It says 10:26
